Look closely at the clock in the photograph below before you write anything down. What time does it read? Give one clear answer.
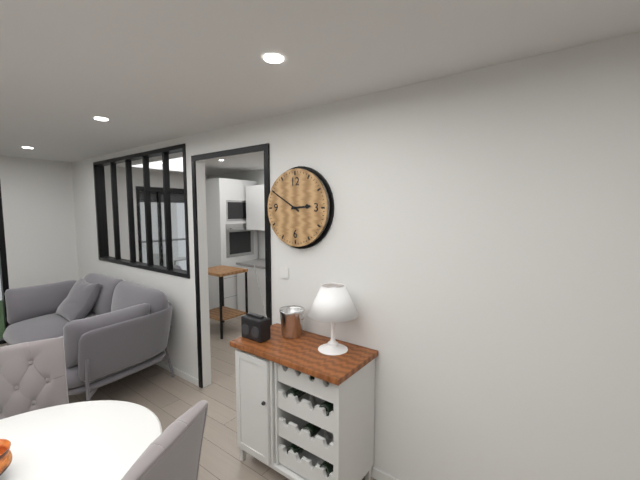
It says 2:50
